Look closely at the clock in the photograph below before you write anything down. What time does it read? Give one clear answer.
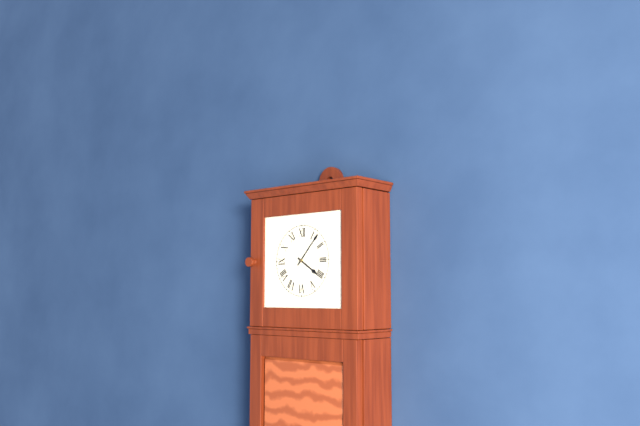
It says 4:07
